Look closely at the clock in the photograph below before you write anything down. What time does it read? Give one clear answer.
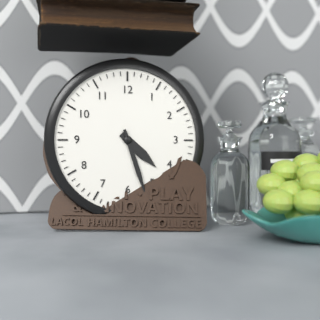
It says 4:27
